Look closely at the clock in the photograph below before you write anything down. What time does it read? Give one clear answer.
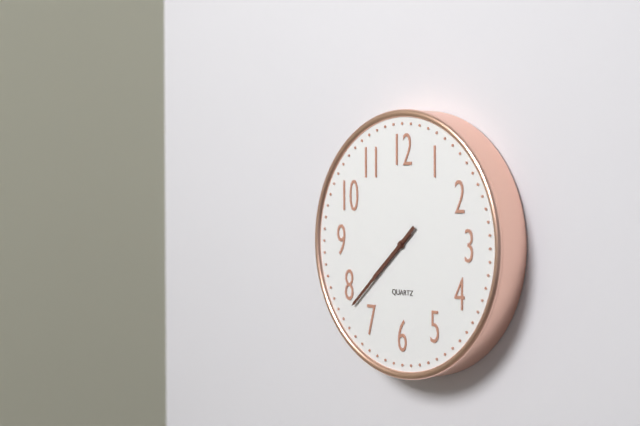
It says 7:38
